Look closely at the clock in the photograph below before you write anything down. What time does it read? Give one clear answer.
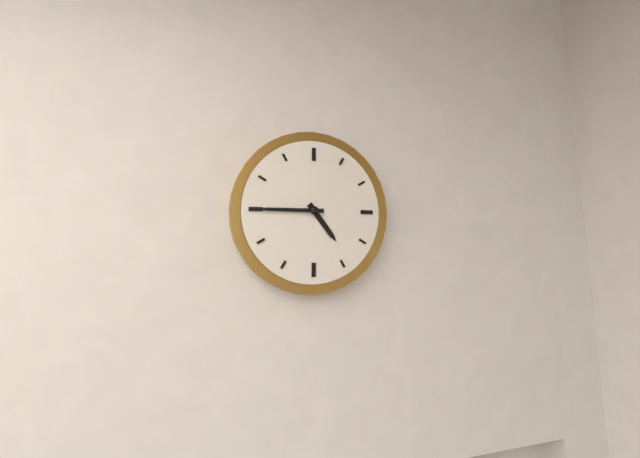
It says 4:45
